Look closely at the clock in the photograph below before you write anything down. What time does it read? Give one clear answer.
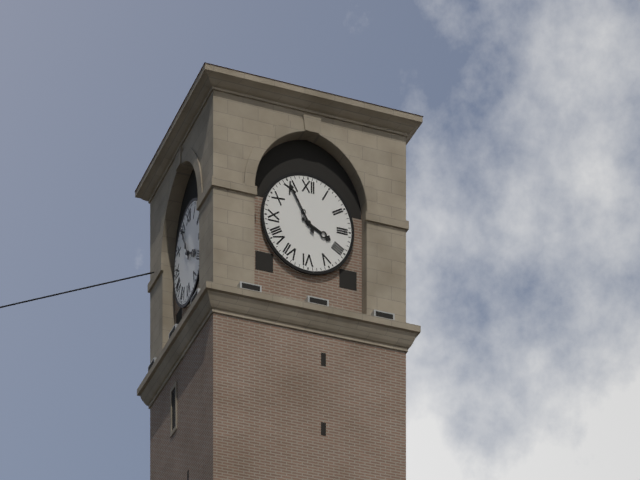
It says 3:55
